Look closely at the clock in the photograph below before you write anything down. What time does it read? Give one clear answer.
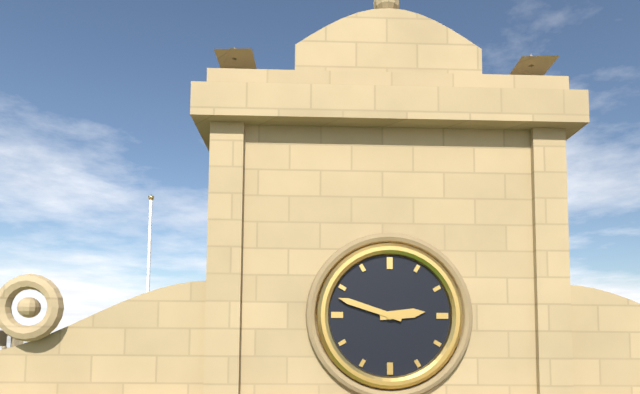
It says 2:48
